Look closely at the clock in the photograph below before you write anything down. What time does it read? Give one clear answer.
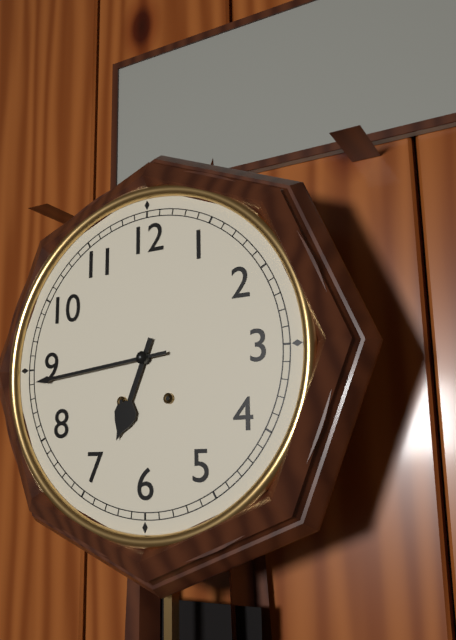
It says 6:44
